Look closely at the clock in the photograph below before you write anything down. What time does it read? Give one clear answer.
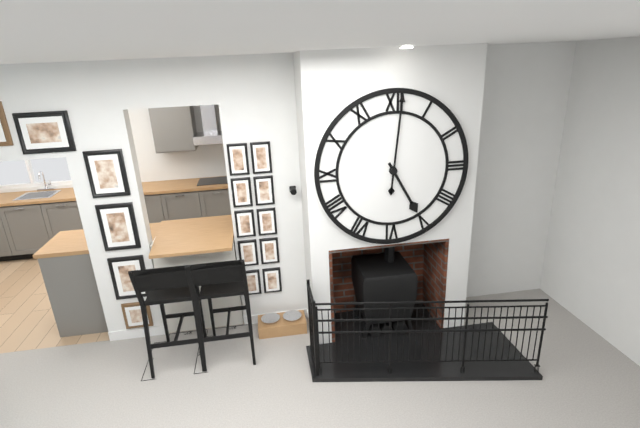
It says 5:01
